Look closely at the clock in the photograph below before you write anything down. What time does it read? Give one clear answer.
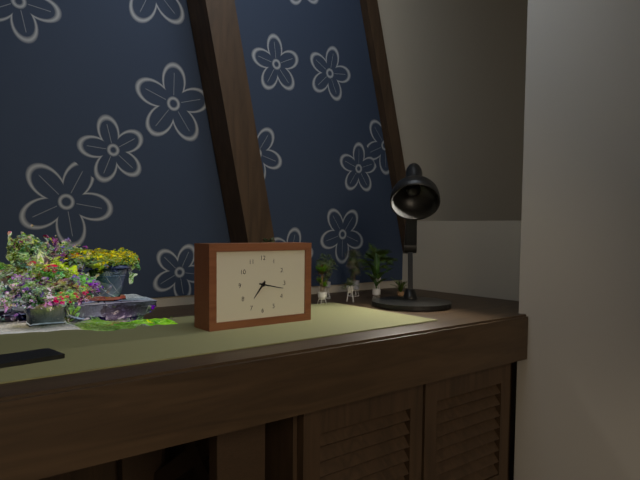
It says 7:17
